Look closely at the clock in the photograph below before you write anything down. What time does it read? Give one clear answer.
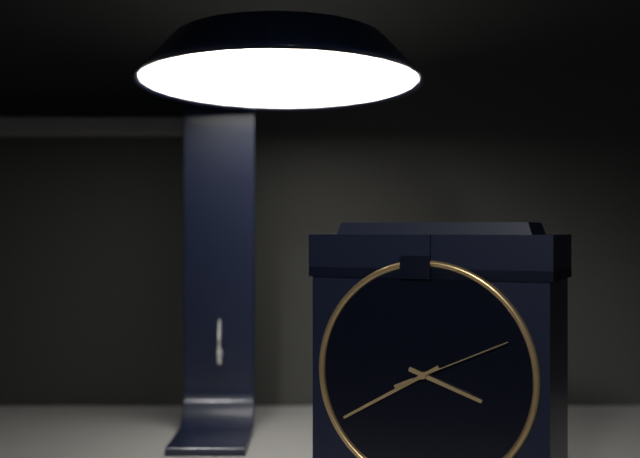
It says 3:40:11
